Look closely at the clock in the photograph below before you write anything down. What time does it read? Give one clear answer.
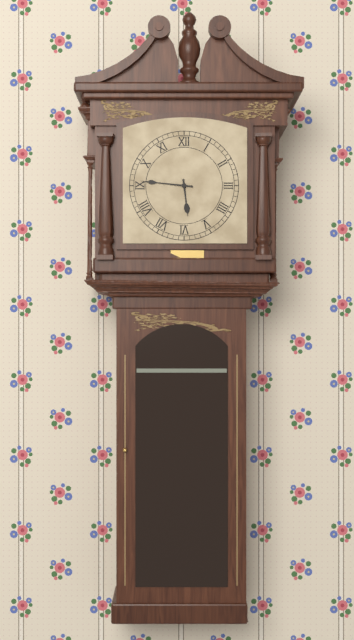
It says 5:46
